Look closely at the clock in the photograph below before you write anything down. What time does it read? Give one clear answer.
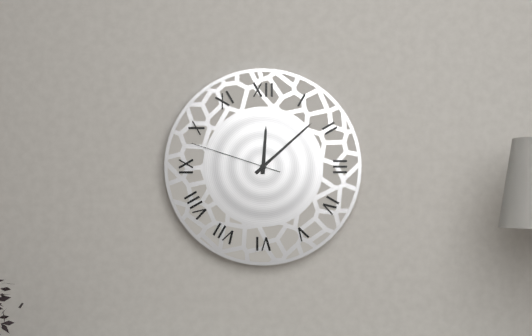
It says 12:08:48
